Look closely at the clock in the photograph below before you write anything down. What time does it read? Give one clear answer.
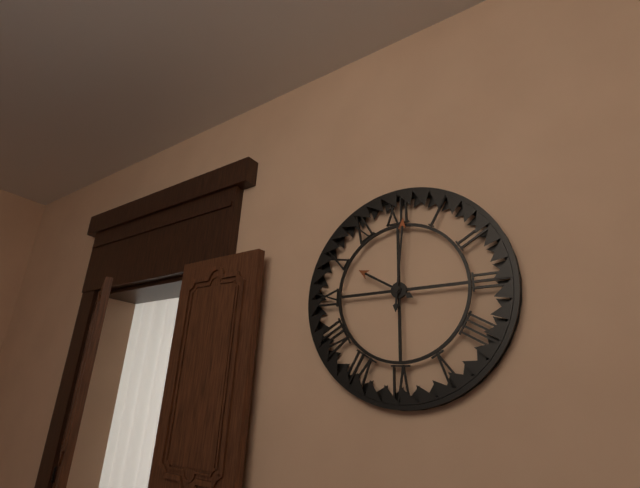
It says 10:01
